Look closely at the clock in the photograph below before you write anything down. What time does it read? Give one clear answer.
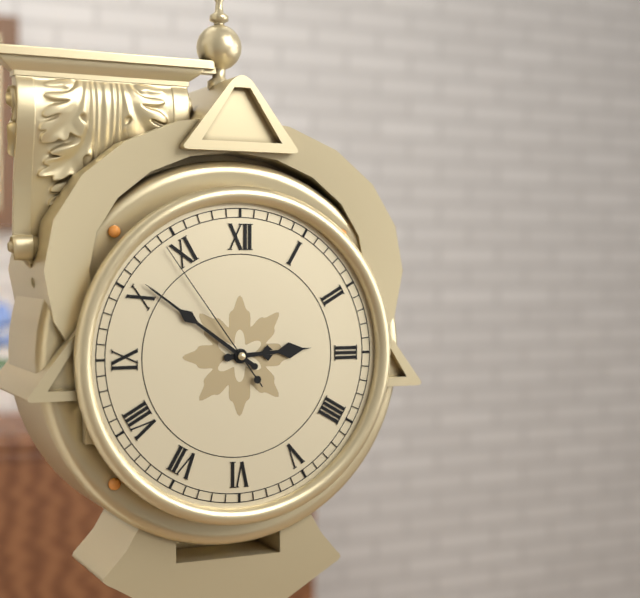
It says 2:51:54
